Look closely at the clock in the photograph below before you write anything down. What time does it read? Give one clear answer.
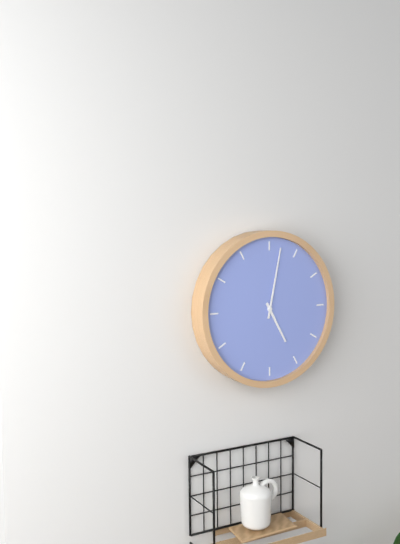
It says 5:02
